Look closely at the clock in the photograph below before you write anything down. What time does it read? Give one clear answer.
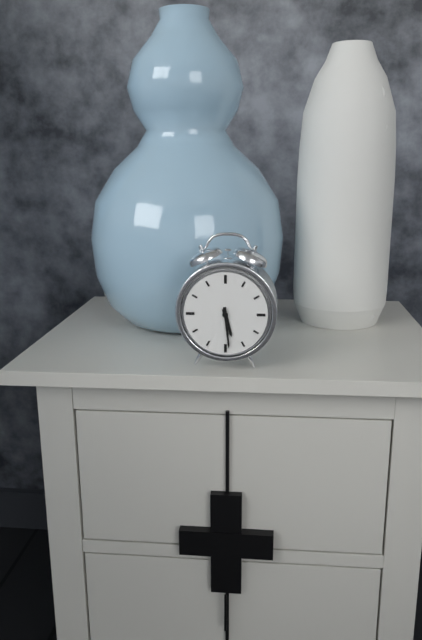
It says 5:29
